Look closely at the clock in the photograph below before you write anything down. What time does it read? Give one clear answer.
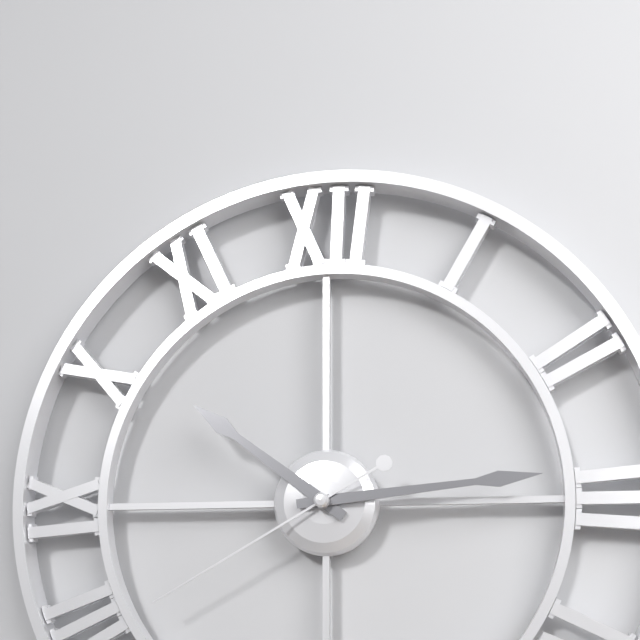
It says 10:14:40
